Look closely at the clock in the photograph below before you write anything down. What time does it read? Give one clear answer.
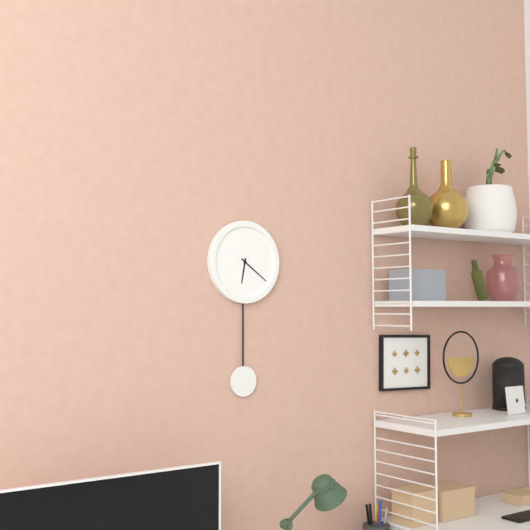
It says 6:21
